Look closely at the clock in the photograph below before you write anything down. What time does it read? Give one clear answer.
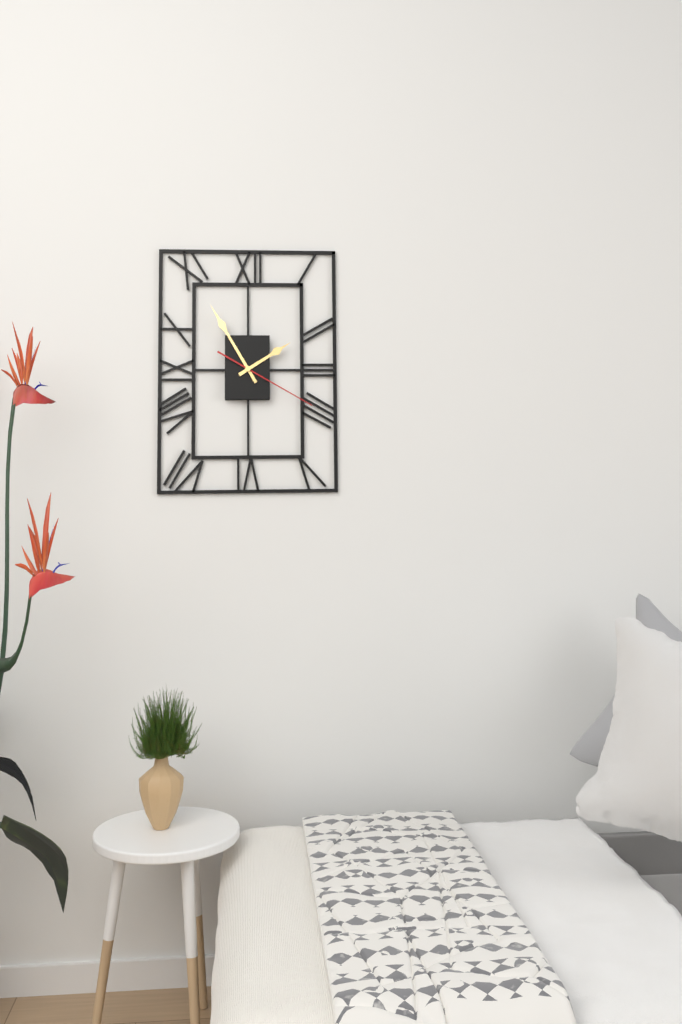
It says 1:55:20
